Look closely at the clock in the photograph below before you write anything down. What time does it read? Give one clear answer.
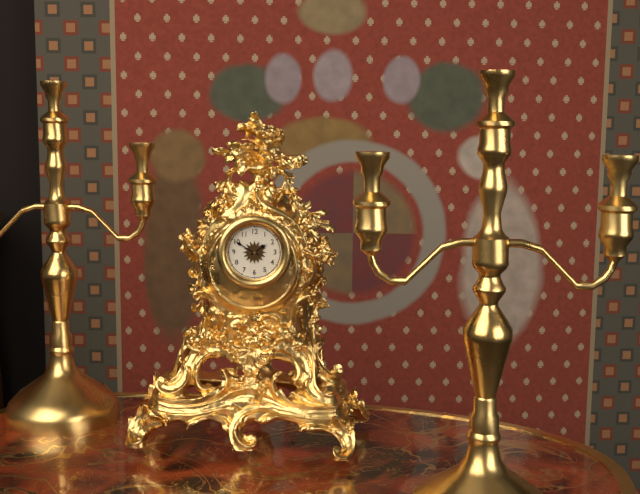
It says 1:50
